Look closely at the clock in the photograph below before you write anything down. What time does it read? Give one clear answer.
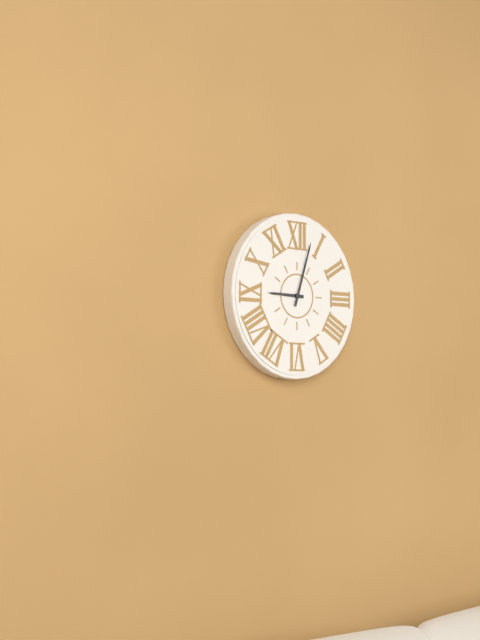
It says 9:03
